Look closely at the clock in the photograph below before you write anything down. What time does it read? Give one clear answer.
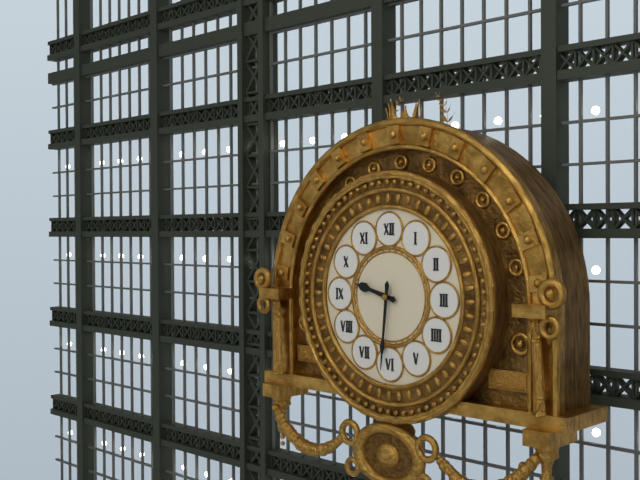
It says 9:31
